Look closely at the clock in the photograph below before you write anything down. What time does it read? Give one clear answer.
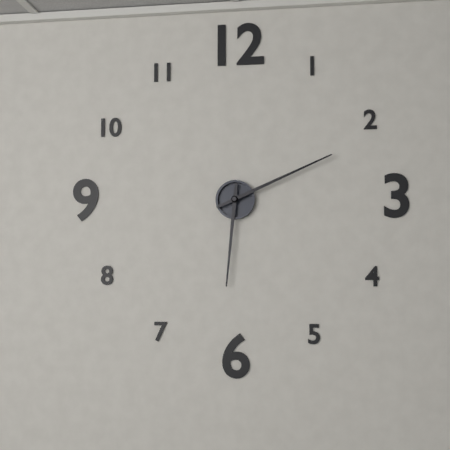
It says 6:11
